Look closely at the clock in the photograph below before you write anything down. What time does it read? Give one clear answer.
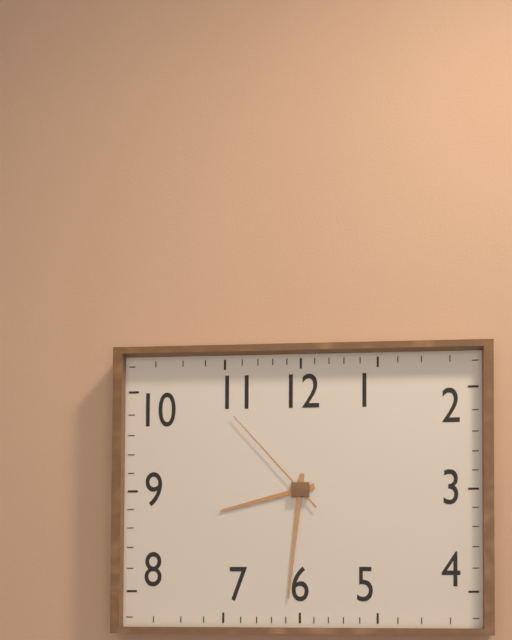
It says 8:31:53
